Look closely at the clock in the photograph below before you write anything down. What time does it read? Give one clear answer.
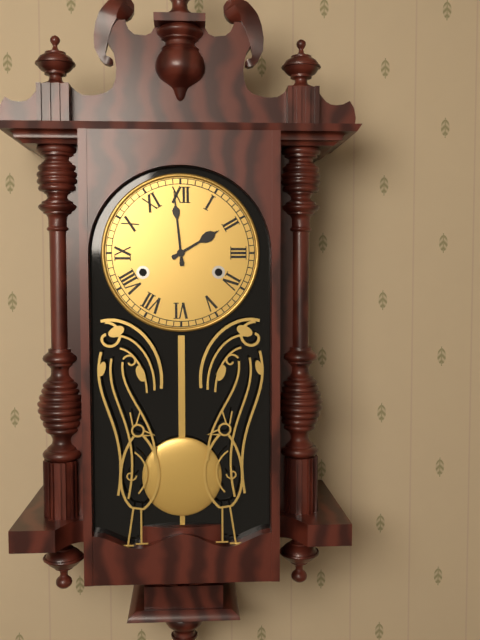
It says 1:59
